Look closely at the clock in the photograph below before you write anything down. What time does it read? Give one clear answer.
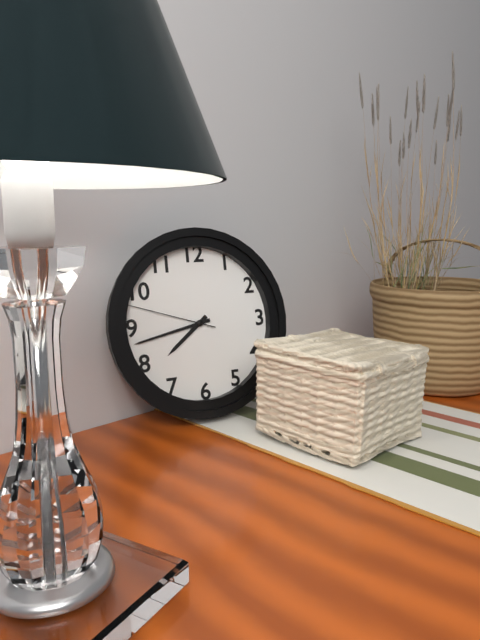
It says 7:43:48
